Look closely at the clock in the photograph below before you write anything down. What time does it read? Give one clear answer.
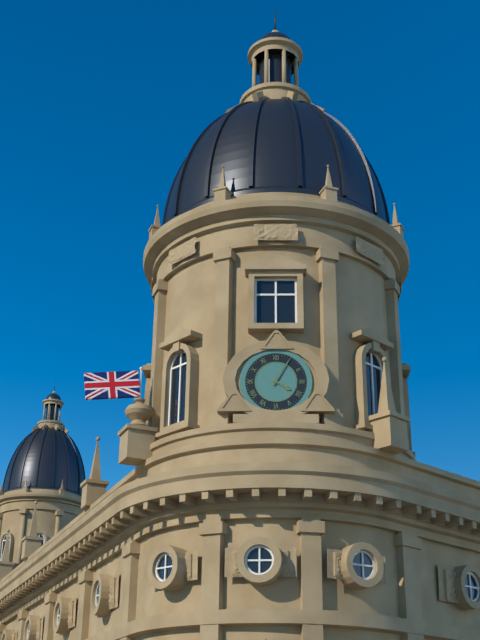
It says 4:05
